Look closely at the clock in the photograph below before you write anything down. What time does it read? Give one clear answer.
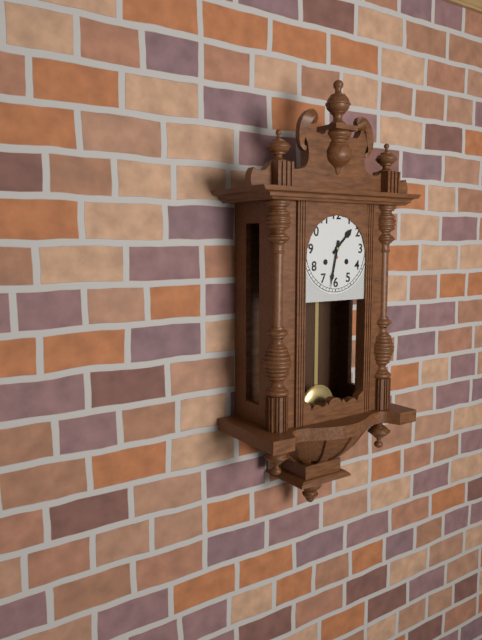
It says 1:32
